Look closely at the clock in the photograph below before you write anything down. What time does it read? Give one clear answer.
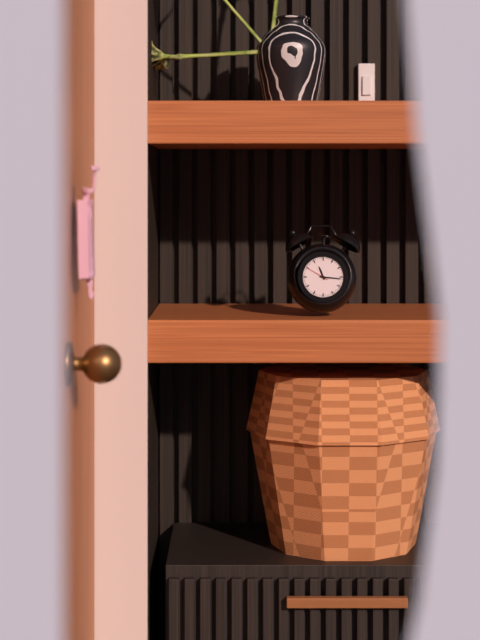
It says 11:16
